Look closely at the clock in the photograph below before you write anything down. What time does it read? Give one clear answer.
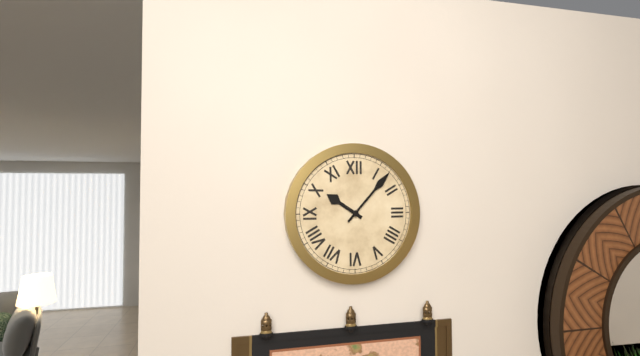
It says 10:07
